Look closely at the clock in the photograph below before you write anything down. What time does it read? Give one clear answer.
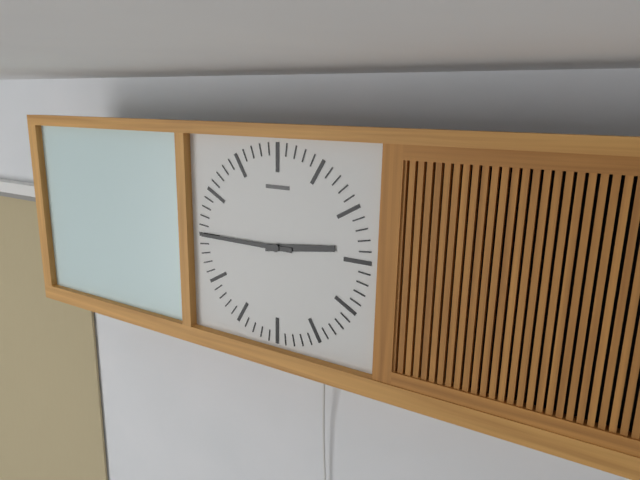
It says 2:45
